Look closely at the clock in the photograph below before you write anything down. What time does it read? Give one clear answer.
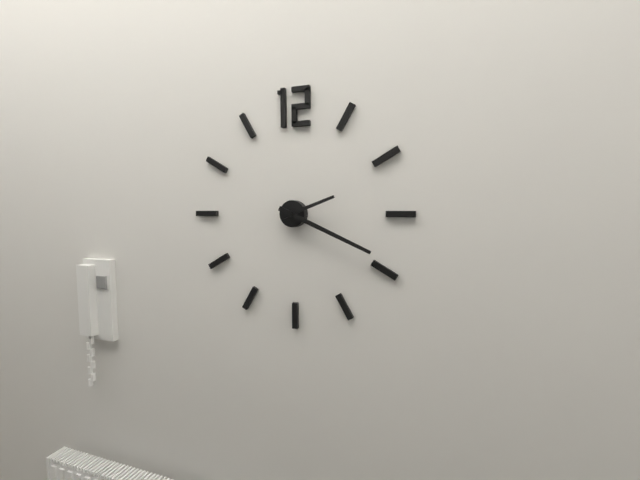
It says 2:19
